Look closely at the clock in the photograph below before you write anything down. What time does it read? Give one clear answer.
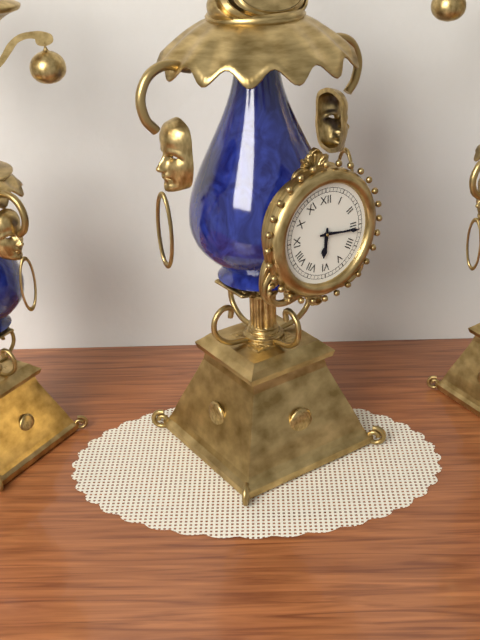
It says 6:16
